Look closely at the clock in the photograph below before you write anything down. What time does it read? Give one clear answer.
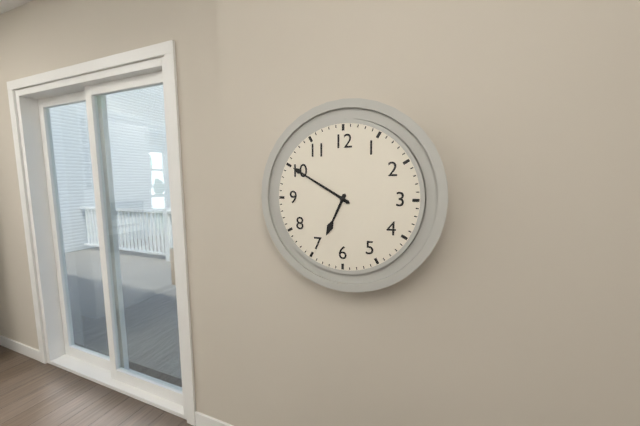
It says 6:50
